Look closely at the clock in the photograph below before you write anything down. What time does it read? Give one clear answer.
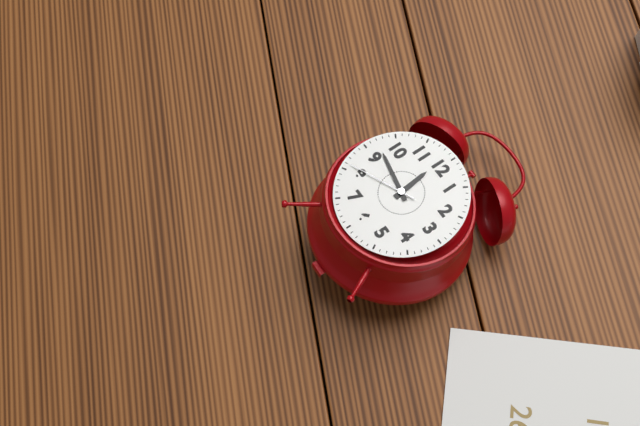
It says 11:47:41
